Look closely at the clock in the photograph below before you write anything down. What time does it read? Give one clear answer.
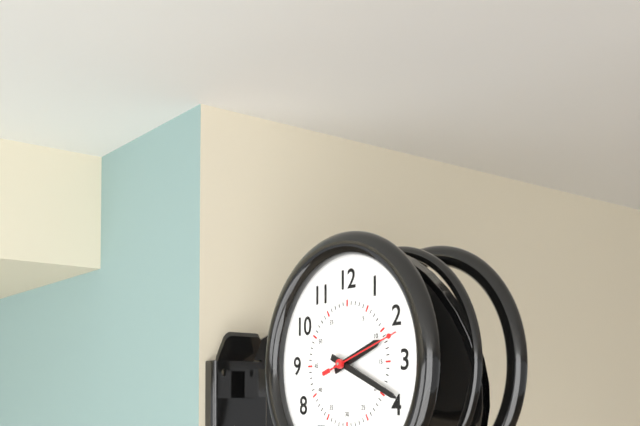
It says 2:19:12
